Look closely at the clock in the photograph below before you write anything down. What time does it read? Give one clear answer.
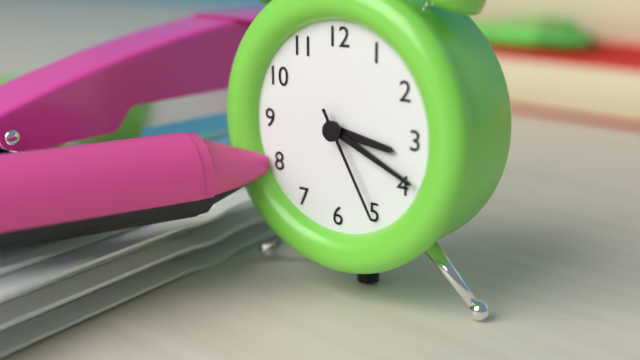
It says 3:19:25
